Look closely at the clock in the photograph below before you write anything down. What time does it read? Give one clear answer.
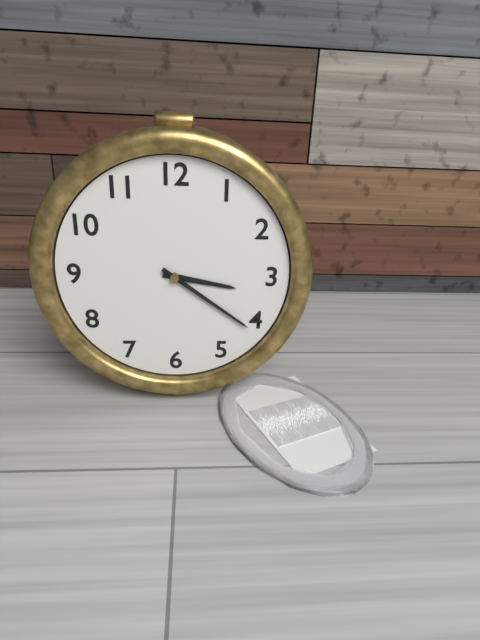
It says 3:21
